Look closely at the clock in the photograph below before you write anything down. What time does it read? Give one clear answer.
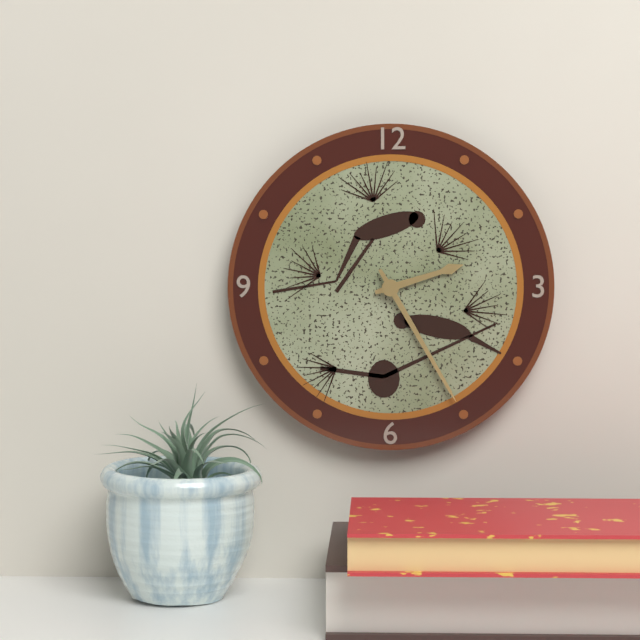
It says 2:25
